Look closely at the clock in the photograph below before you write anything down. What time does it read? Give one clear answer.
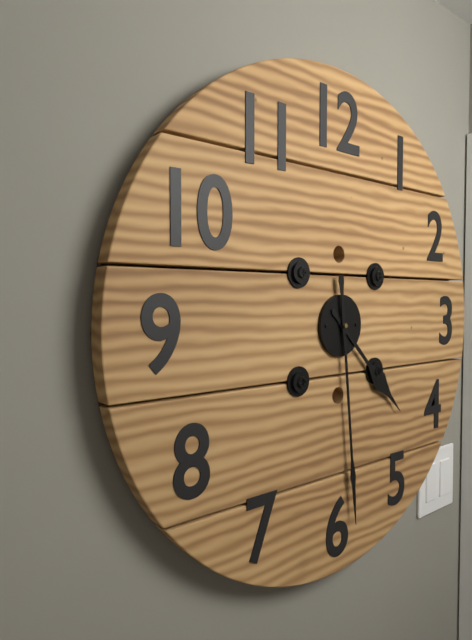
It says 4:29
